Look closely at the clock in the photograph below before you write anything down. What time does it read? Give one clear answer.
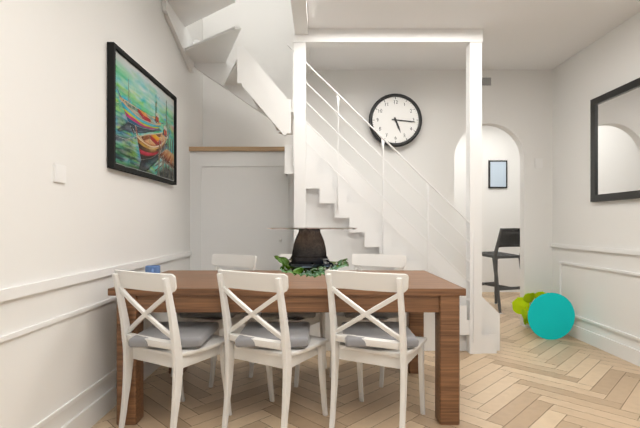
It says 5:16
